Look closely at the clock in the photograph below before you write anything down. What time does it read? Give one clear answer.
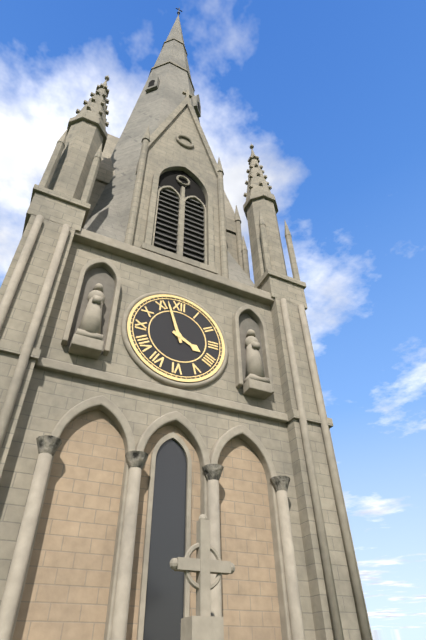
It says 3:57
